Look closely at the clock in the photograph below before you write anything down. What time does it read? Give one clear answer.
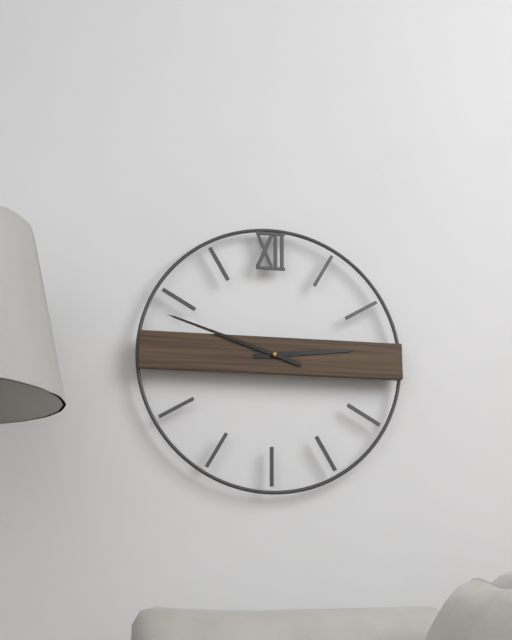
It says 2:48
